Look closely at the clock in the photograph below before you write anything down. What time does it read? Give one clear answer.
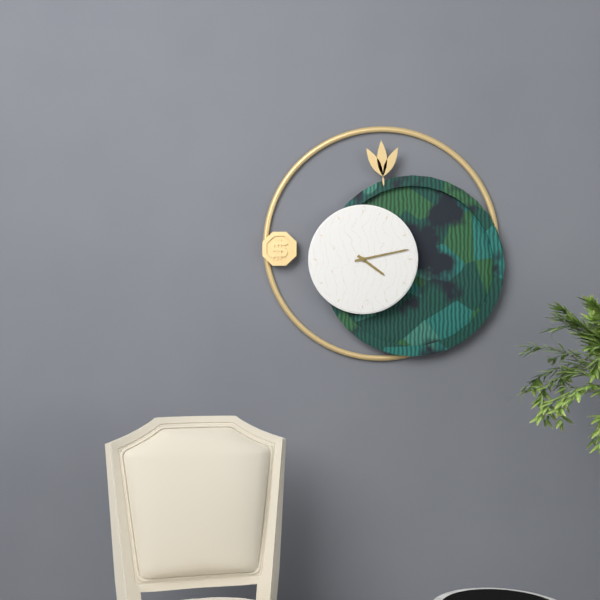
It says 4:13
